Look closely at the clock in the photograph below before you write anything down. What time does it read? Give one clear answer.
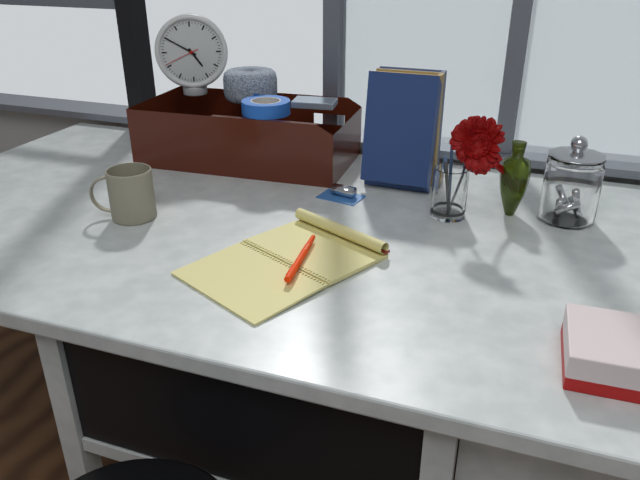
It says 4:50
